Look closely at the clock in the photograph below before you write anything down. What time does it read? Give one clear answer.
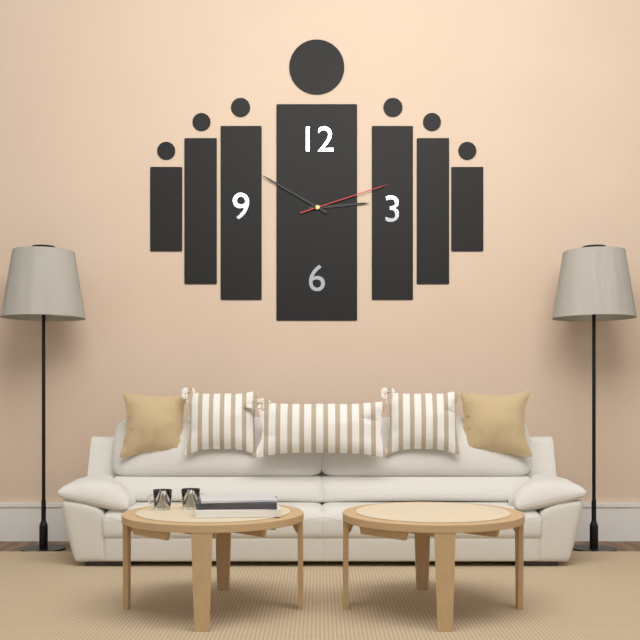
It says 2:50:12
